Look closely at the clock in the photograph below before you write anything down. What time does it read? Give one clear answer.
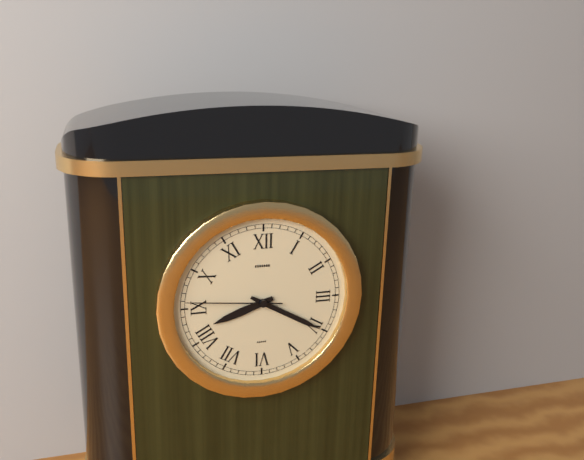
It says 8:20:46
